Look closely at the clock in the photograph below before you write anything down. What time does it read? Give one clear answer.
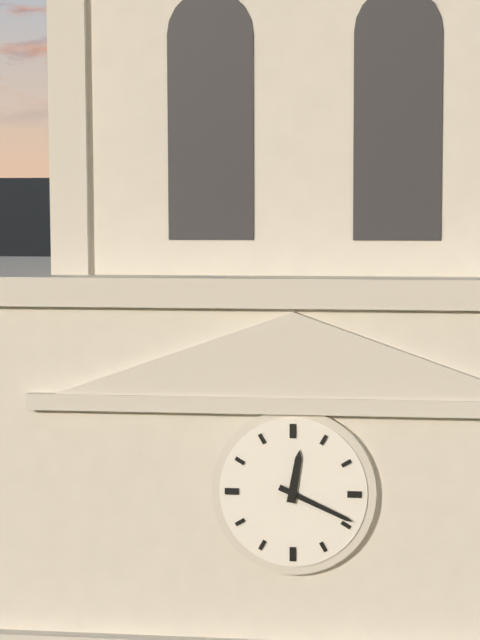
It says 12:19
